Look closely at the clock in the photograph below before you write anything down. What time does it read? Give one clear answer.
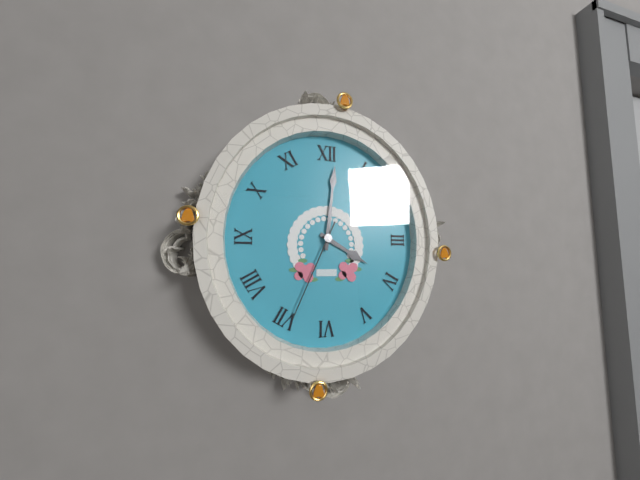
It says 4:01:34
